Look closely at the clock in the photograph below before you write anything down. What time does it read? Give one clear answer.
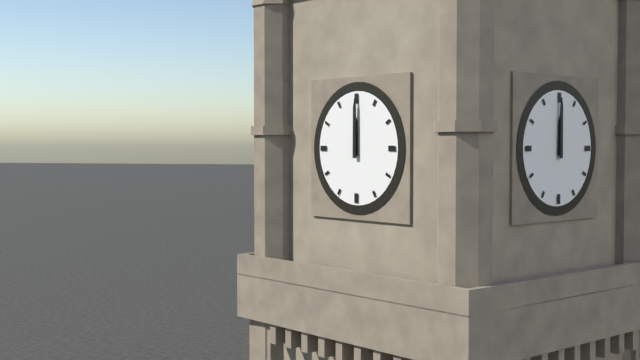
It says 12:00
